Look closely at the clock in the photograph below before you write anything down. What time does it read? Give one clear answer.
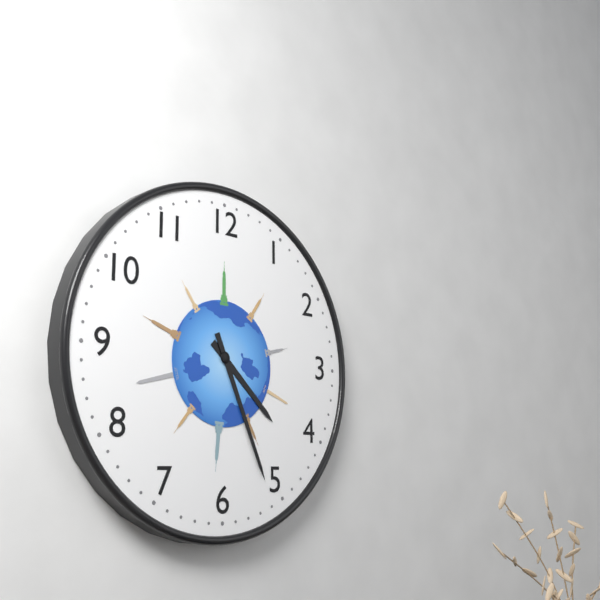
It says 4:26
